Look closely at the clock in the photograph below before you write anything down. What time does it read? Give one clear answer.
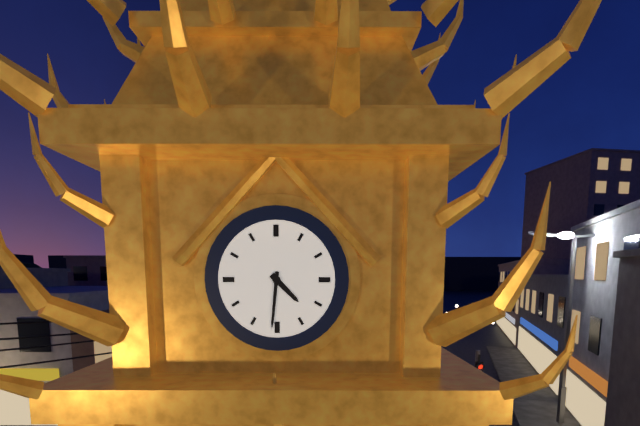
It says 4:31
